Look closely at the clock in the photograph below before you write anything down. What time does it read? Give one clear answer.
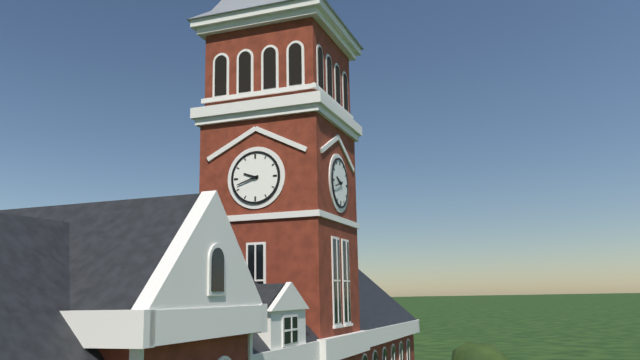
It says 9:42
